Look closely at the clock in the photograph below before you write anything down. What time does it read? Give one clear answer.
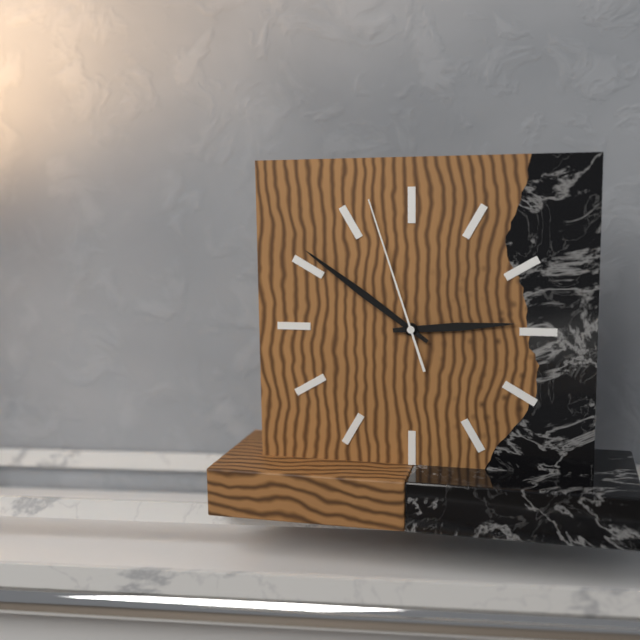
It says 2:51:57
